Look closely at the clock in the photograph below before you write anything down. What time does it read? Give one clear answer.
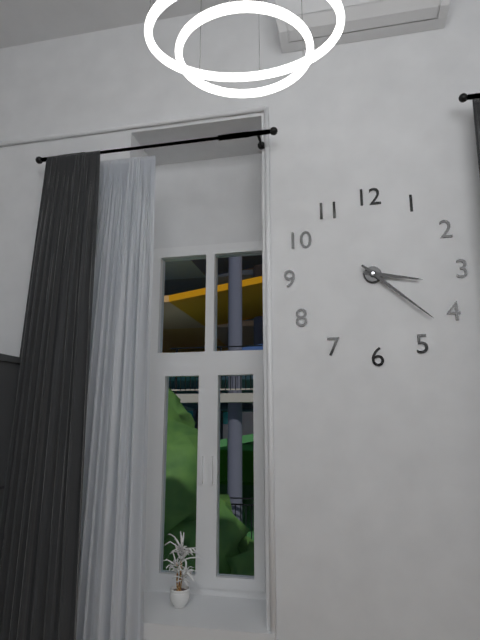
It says 3:22
